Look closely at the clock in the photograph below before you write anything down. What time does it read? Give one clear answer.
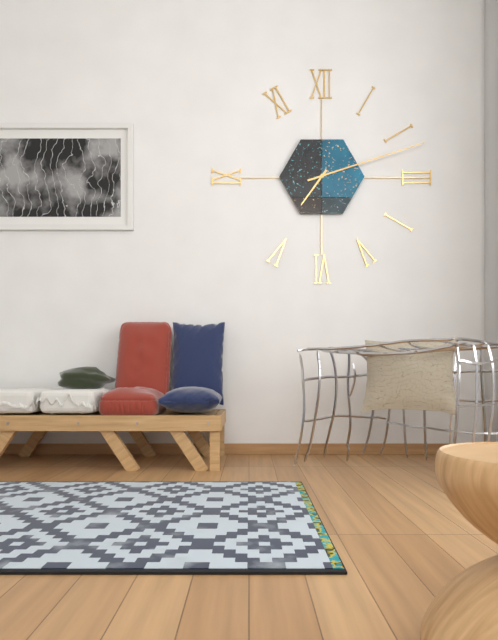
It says 7:12
